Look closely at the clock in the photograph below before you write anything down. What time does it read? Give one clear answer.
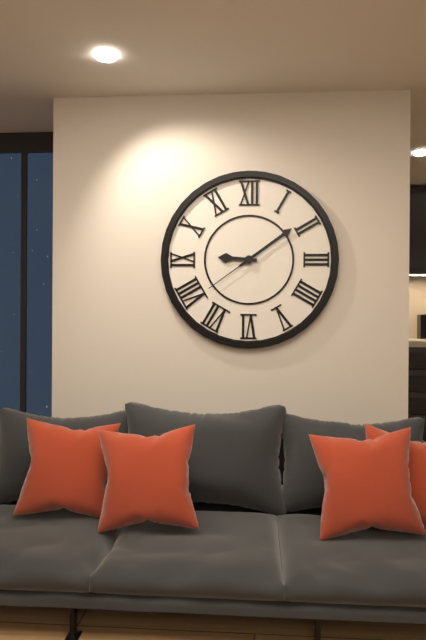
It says 9:09:39
